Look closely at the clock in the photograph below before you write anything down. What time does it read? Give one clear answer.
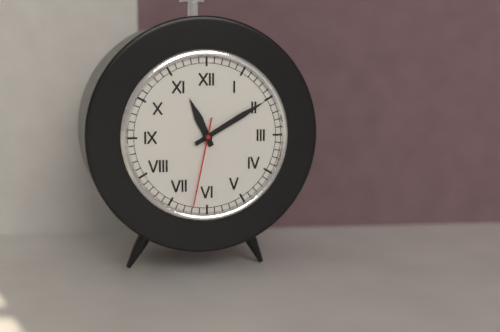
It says 11:10:32
